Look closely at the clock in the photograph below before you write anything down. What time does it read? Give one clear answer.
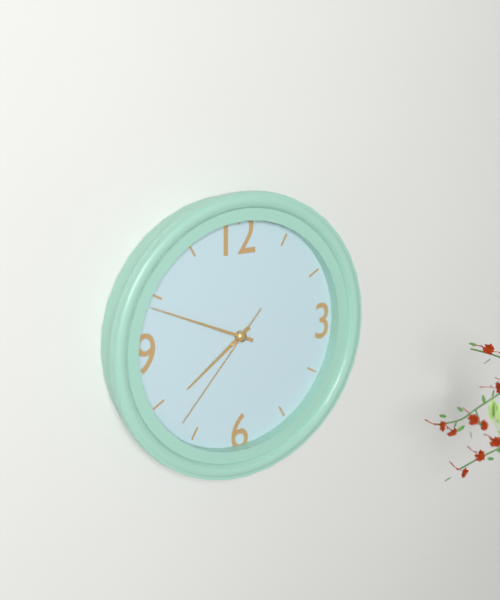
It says 7:49:37
